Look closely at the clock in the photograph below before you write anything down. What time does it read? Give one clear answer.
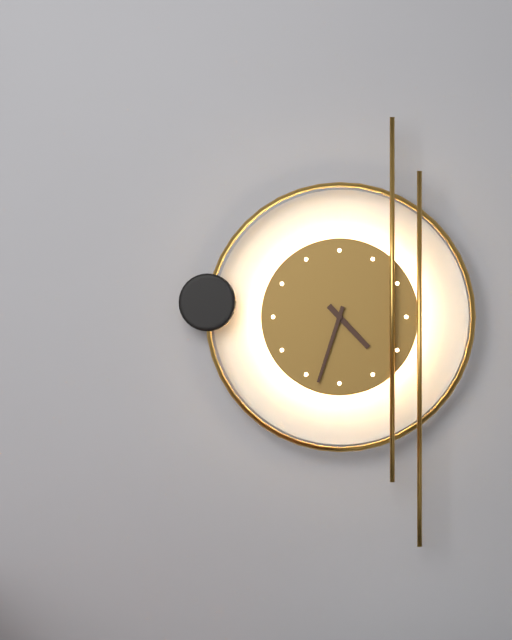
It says 4:33
